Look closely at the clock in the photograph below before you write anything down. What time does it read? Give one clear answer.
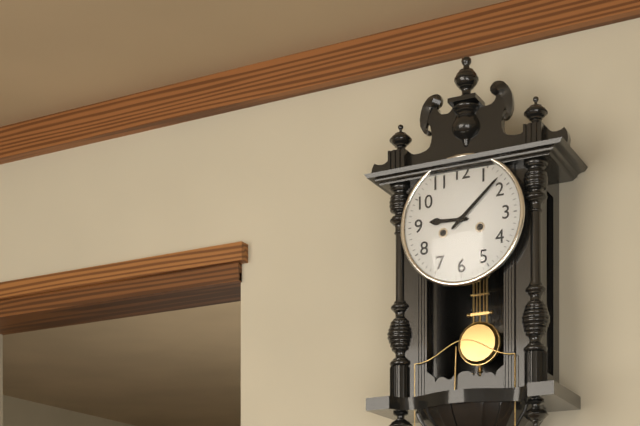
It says 9:08
